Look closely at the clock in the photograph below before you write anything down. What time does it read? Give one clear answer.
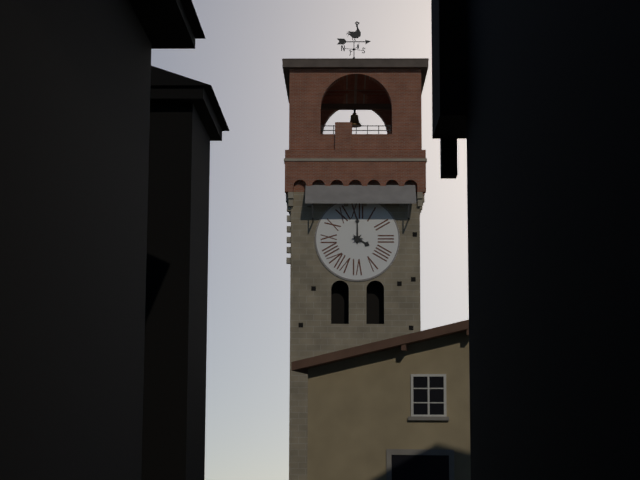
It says 4:00
